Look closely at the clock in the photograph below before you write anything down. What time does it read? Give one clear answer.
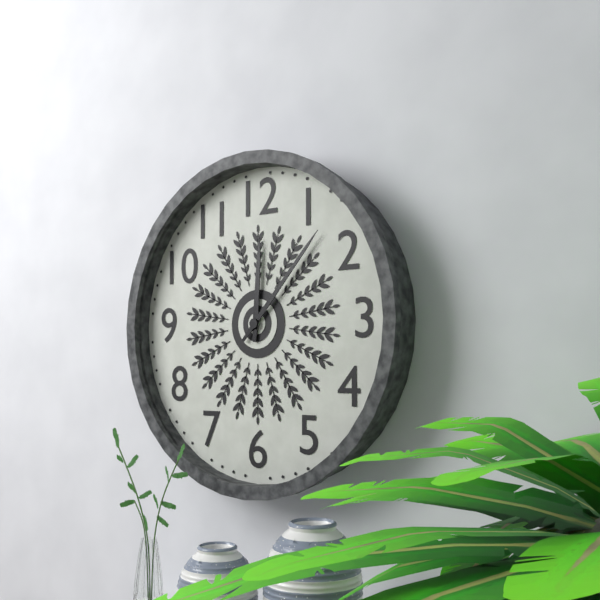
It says 12:07
